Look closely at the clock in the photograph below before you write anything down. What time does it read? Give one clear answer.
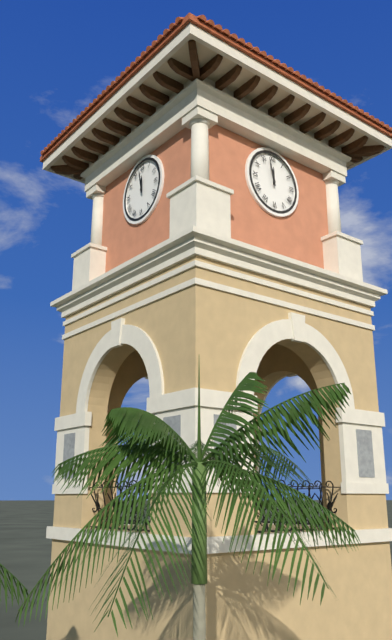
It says 11:58
